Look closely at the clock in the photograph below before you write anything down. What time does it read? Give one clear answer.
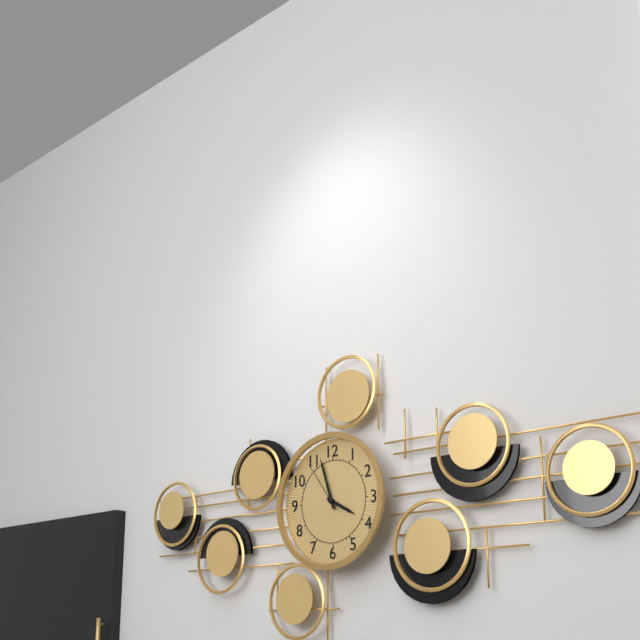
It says 3:57:54
